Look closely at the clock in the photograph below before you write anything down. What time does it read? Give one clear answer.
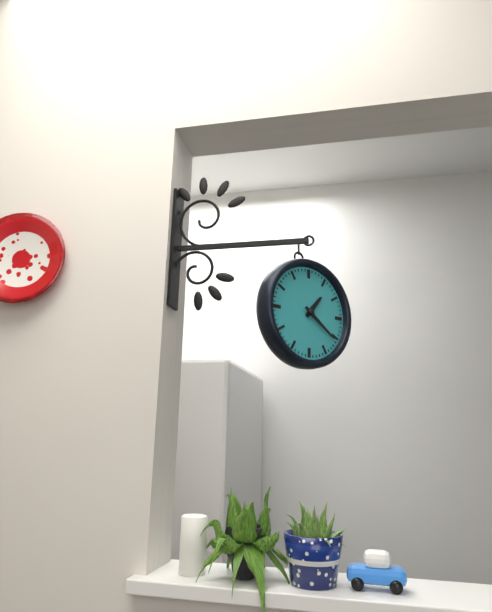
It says 1:21
